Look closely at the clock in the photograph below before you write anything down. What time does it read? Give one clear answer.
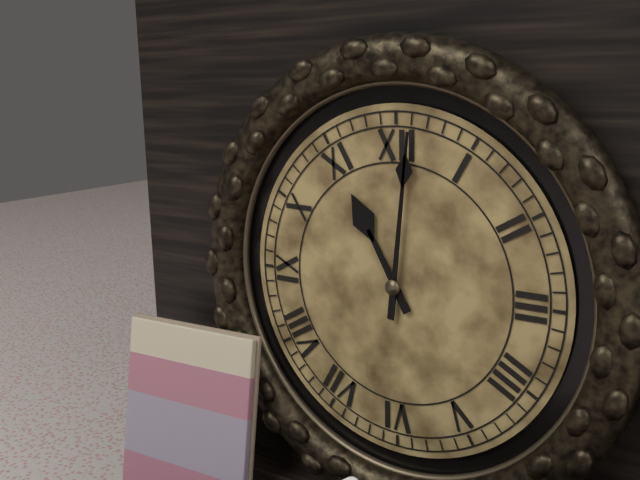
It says 11:01
